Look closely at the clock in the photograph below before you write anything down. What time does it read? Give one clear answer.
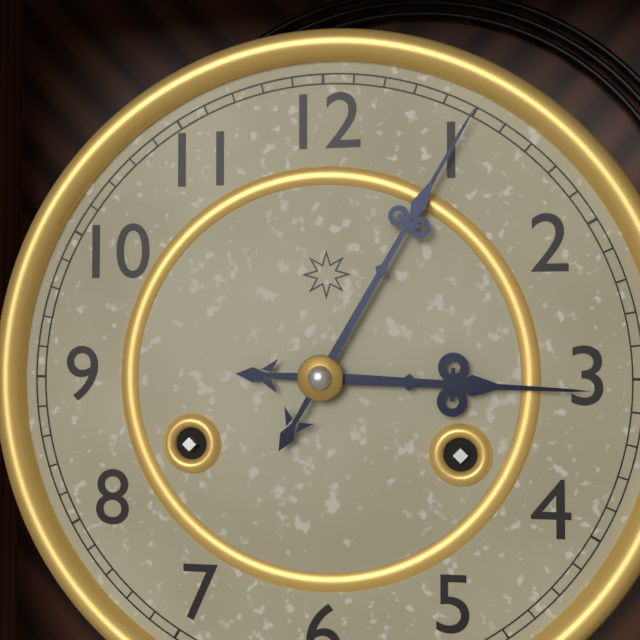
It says 3:05
